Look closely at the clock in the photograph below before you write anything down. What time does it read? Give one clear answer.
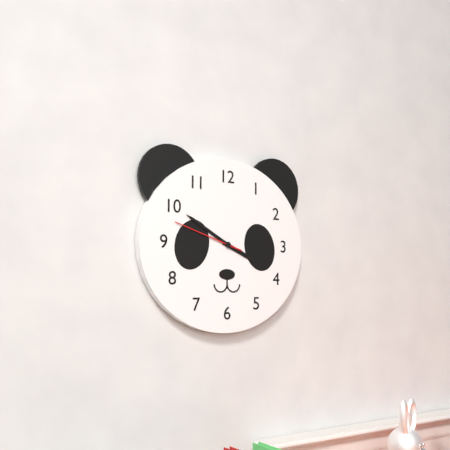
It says 3:50:48
